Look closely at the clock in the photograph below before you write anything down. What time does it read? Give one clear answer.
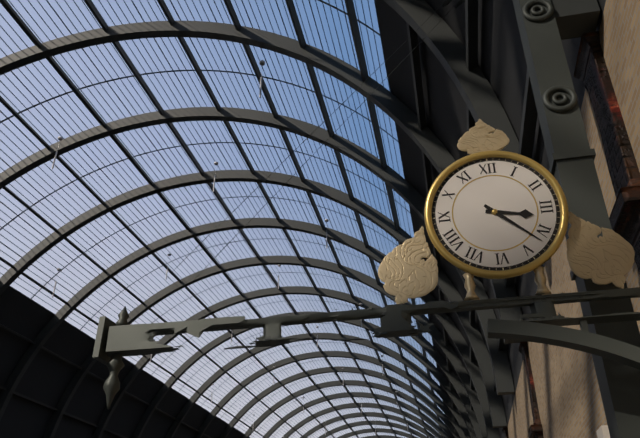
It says 3:22
